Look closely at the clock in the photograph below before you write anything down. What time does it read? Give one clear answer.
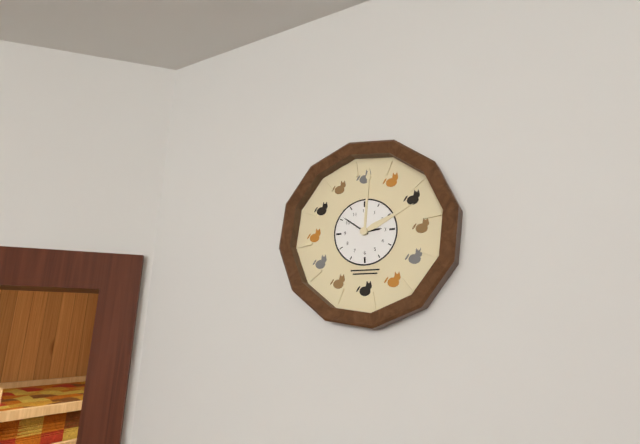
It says 2:51
